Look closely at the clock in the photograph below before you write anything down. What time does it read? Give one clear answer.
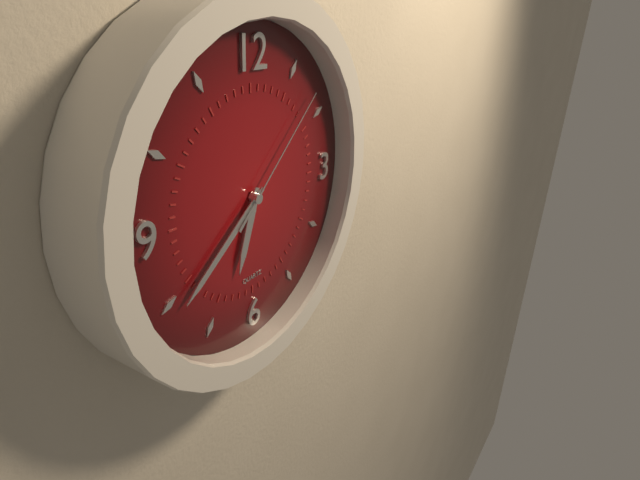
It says 6:39:08
